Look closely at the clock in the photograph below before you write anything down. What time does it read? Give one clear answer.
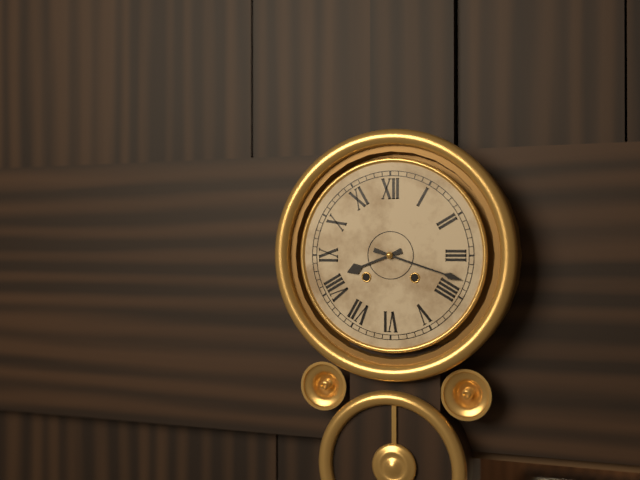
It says 8:18
